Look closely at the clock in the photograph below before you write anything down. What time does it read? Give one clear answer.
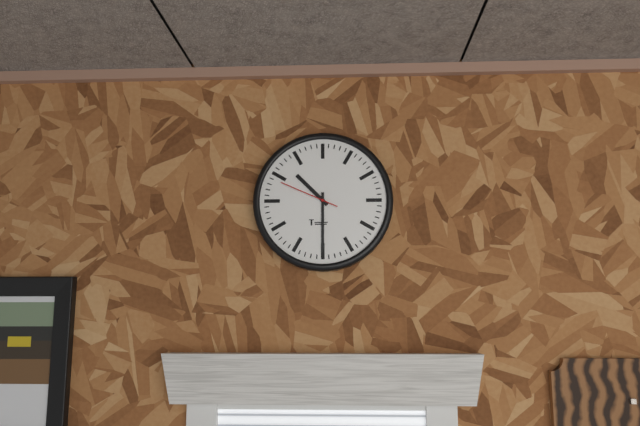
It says 10:30:49
